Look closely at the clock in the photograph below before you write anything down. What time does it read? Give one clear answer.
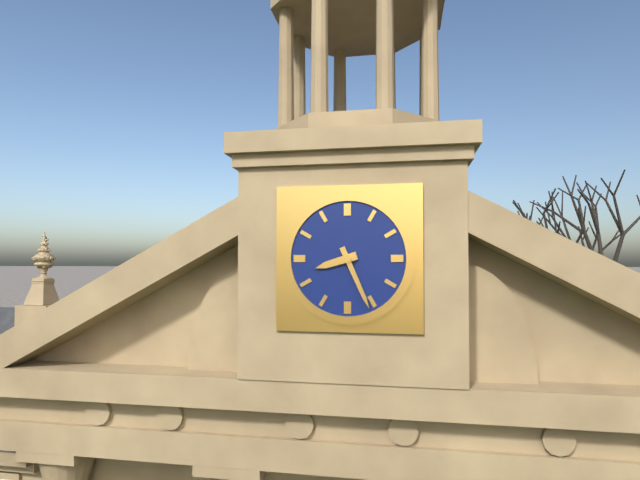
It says 8:26
